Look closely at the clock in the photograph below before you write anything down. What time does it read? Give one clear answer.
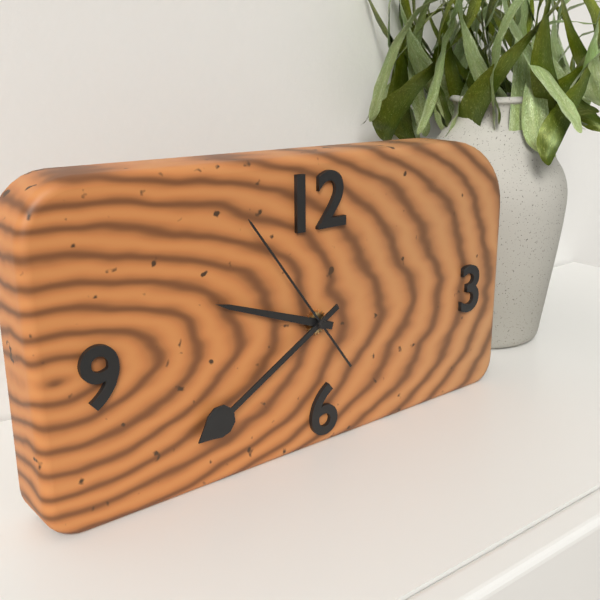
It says 9:40:54
